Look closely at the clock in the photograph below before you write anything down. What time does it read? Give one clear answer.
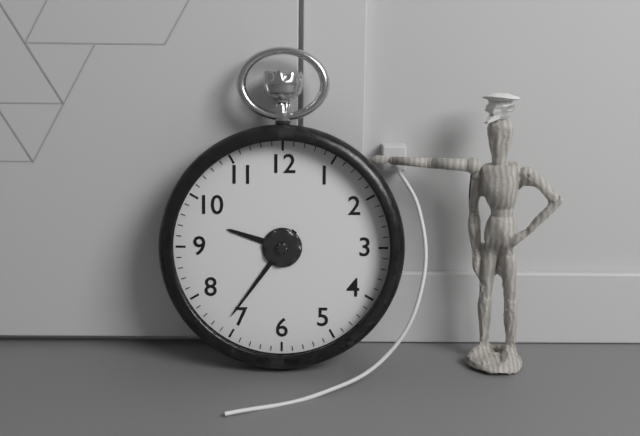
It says 9:36
